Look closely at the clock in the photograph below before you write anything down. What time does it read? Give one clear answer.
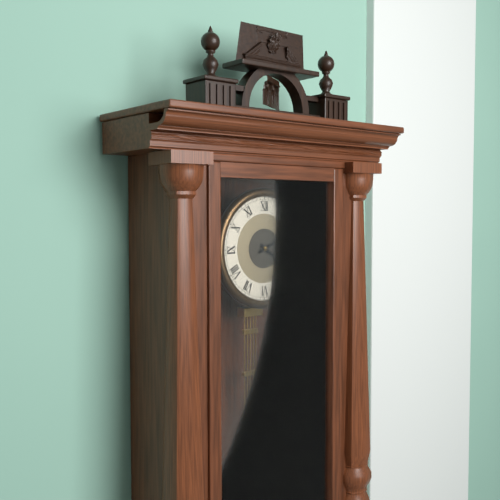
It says 4:11
